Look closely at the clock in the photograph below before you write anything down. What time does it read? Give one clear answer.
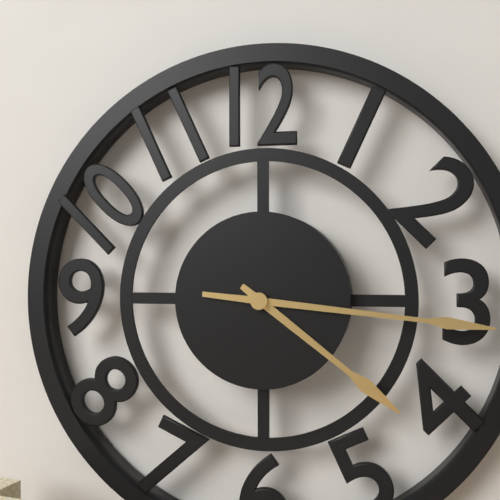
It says 4:16
